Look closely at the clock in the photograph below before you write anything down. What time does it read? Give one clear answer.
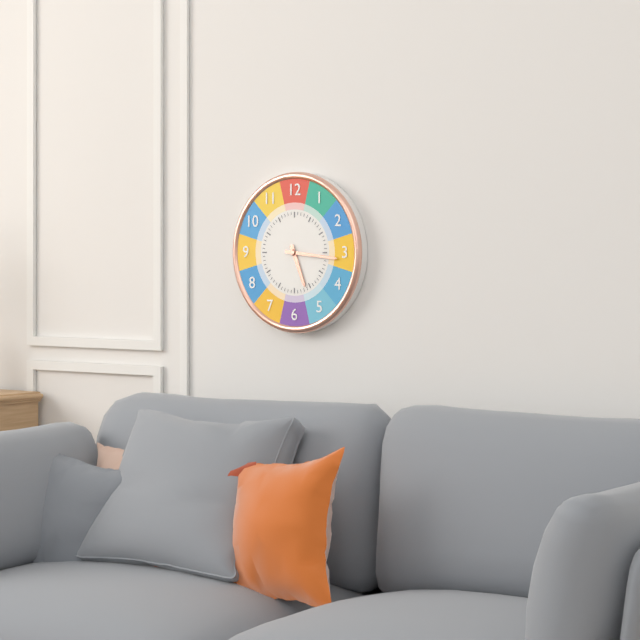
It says 5:16
